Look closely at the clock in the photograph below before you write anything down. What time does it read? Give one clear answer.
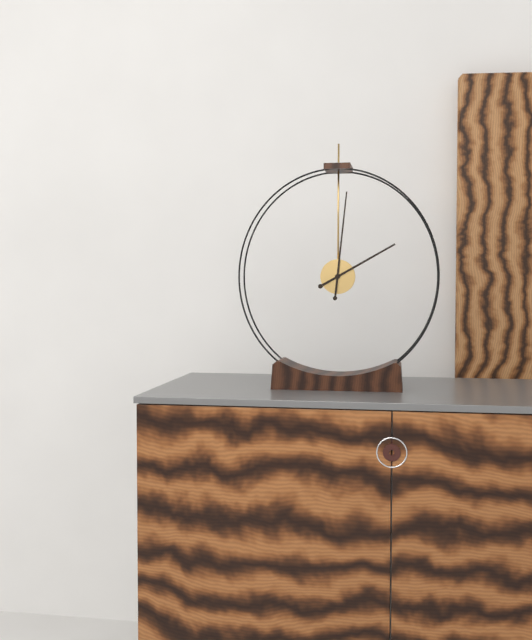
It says 2:01
